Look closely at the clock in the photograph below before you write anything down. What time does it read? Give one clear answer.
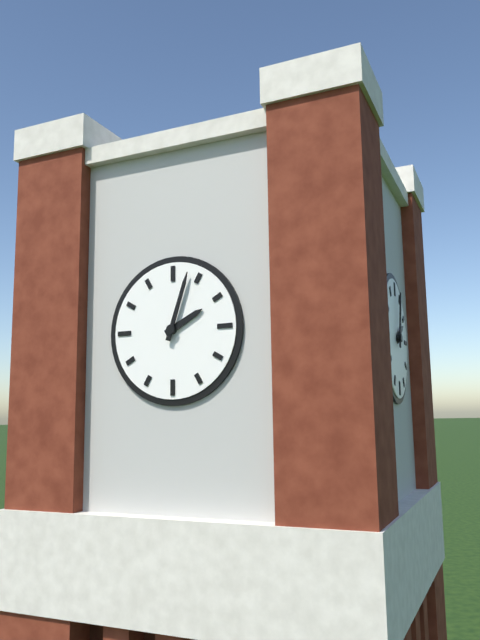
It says 2:03
